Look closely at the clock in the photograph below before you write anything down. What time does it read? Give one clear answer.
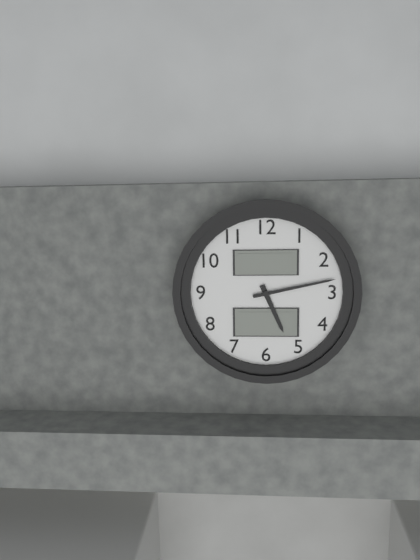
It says 5:13
